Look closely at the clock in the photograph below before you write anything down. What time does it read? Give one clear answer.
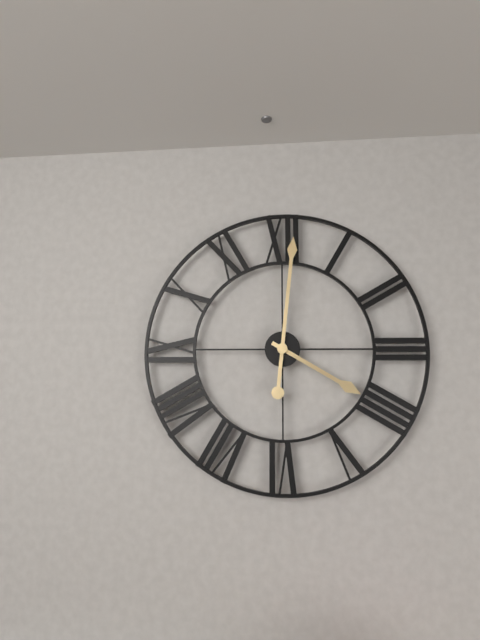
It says 4:01
